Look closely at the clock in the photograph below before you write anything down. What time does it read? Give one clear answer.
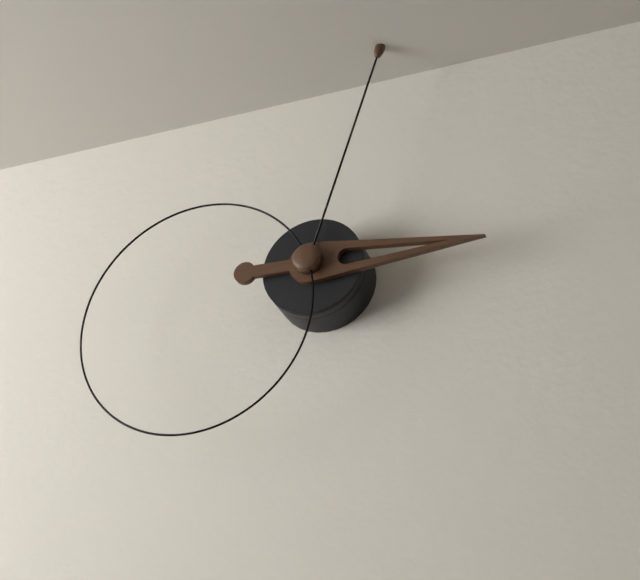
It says 3:03:42
